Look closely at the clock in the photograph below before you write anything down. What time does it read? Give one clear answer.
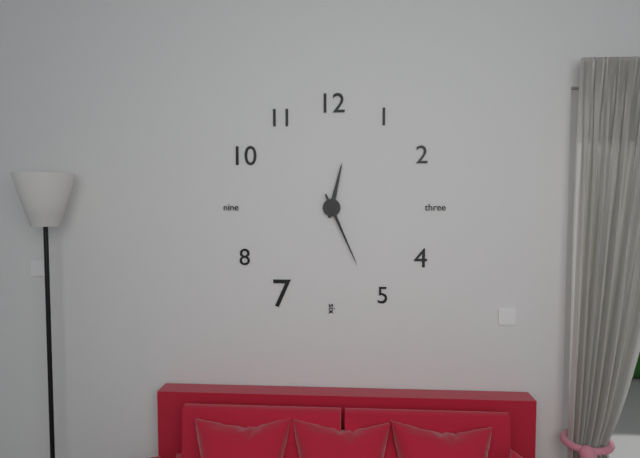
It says 12:26
